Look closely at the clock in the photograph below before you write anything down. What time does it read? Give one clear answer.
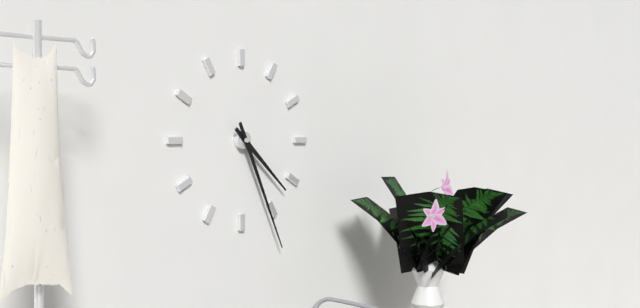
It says 4:26
